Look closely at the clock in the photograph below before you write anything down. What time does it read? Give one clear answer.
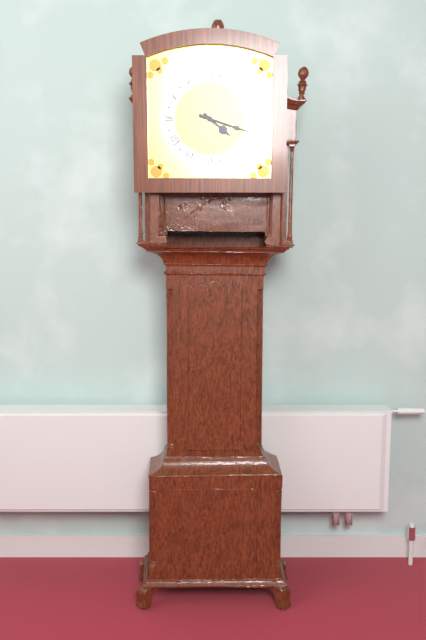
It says 4:18
